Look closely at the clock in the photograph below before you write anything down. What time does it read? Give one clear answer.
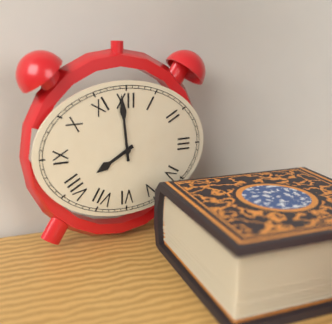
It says 7:59
